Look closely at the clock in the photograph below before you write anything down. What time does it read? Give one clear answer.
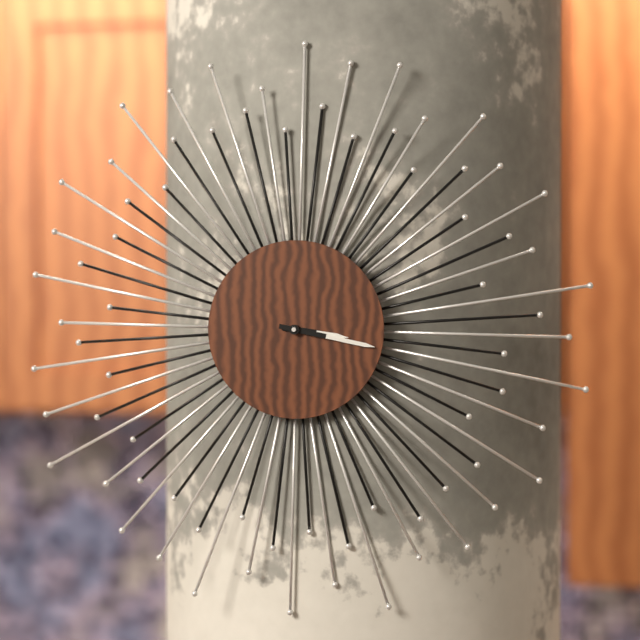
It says 3:17
